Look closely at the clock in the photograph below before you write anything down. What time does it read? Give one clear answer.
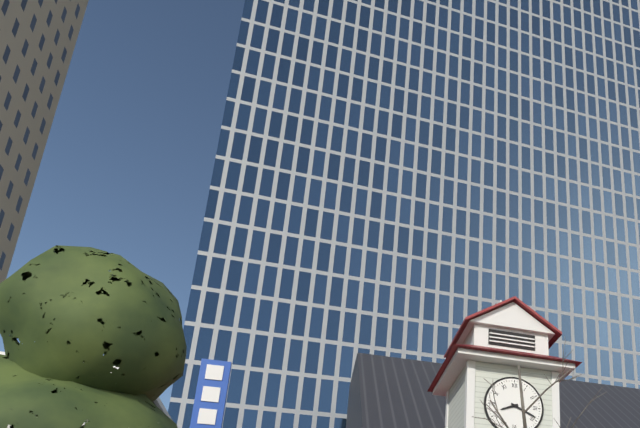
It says 8:19
